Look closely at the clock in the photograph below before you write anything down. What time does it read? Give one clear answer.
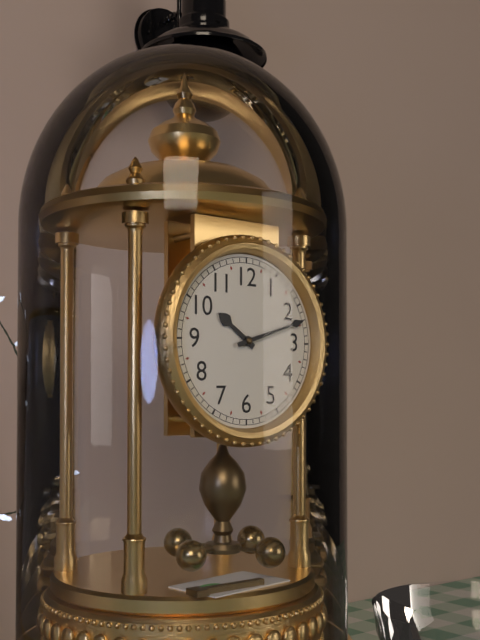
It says 10:12
